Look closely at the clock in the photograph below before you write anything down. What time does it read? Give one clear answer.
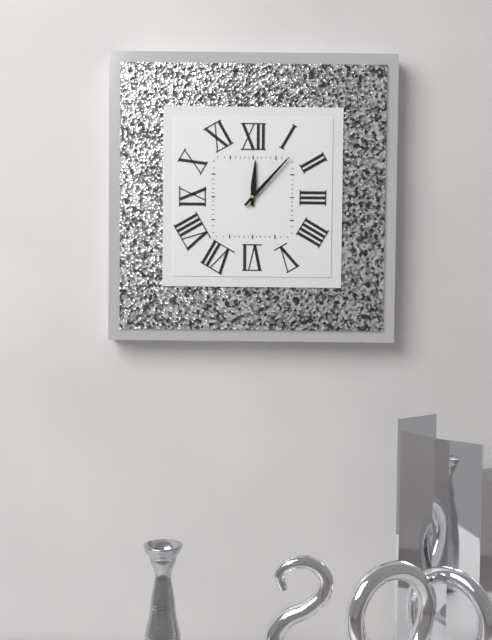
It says 12:07
